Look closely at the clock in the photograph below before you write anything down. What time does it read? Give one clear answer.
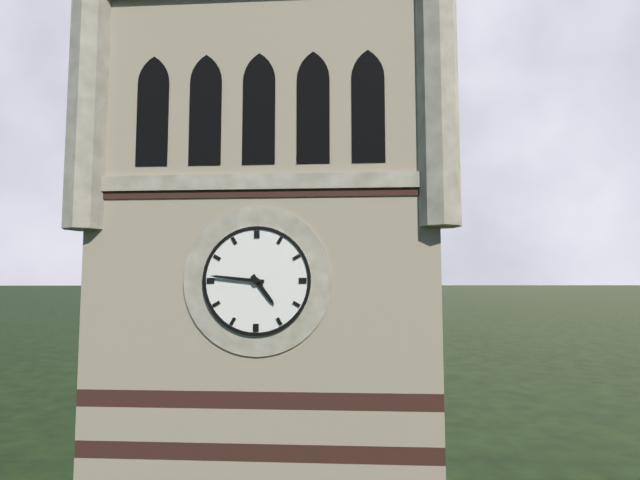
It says 4:46
